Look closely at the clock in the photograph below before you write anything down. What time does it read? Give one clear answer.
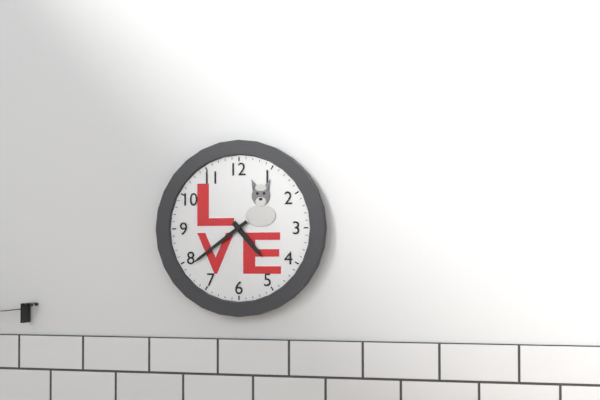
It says 4:39
